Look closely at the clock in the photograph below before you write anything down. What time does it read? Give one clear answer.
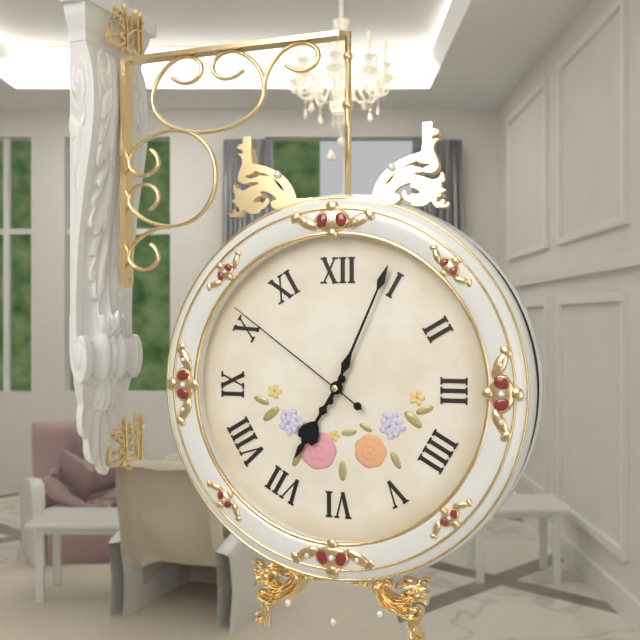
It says 7:04:51
